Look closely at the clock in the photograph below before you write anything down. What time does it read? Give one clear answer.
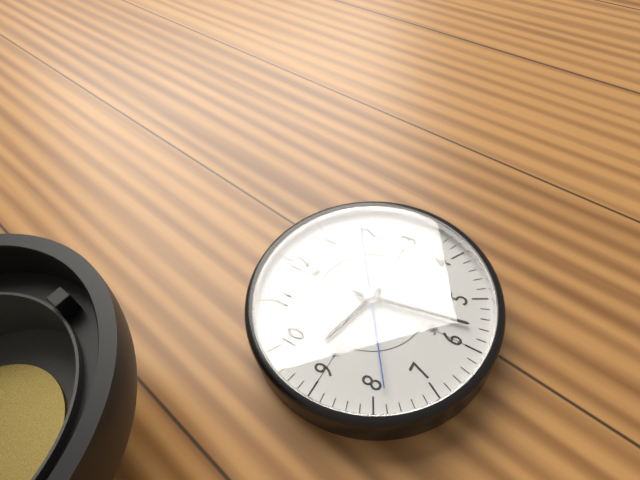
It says 9:28:09
